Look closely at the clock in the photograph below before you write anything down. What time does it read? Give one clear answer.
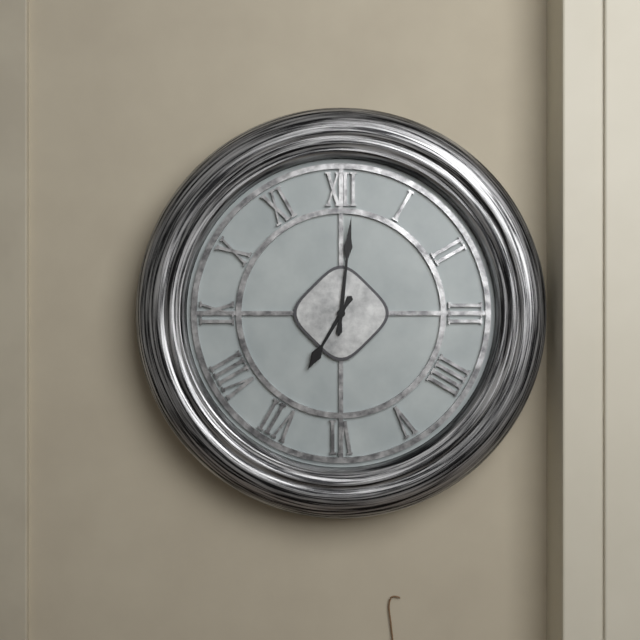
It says 7:01
